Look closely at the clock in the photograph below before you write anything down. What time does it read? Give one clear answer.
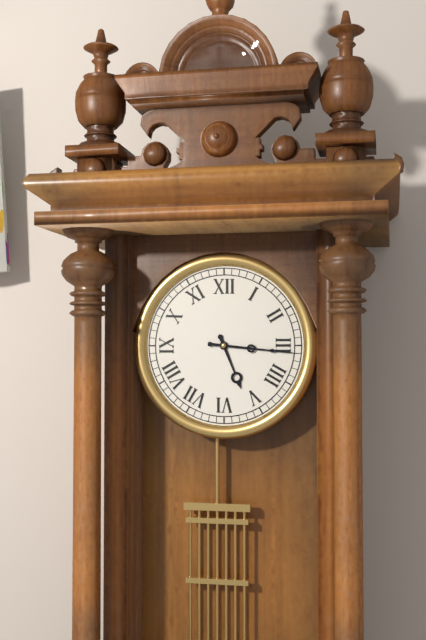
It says 5:16
